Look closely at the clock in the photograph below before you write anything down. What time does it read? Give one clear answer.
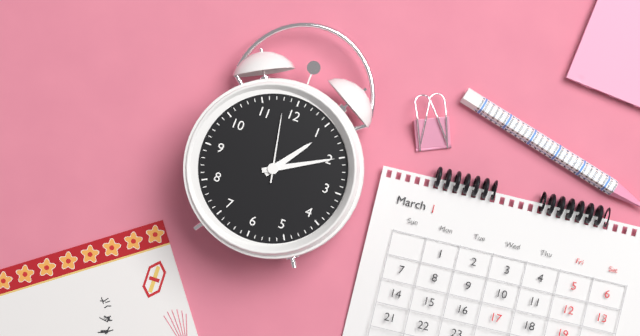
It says 1:10:58
